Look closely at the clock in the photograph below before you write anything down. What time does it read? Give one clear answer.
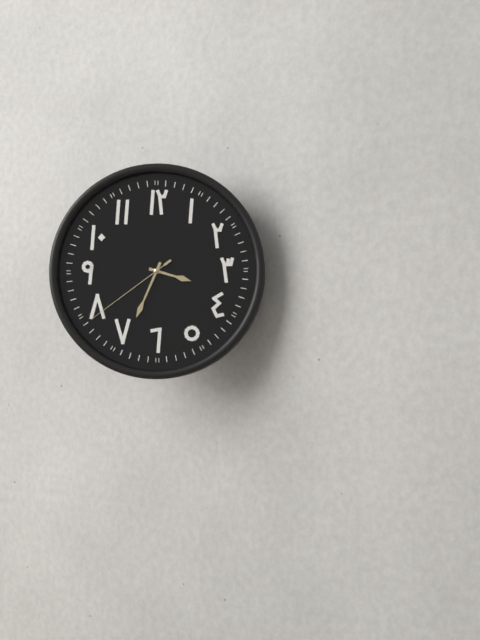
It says 3:34:39
